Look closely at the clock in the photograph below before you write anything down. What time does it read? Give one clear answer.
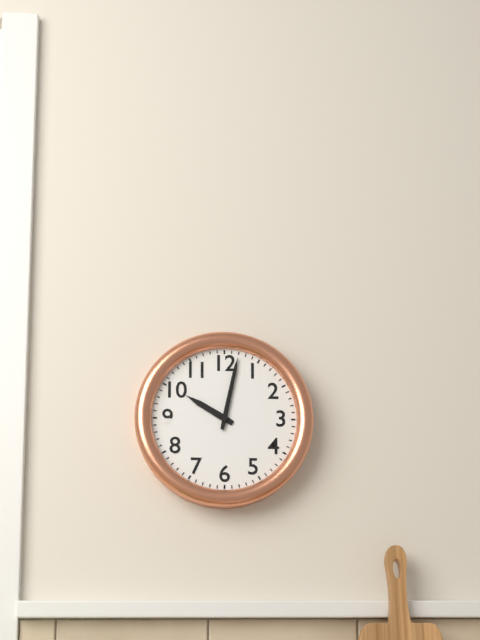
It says 10:02
